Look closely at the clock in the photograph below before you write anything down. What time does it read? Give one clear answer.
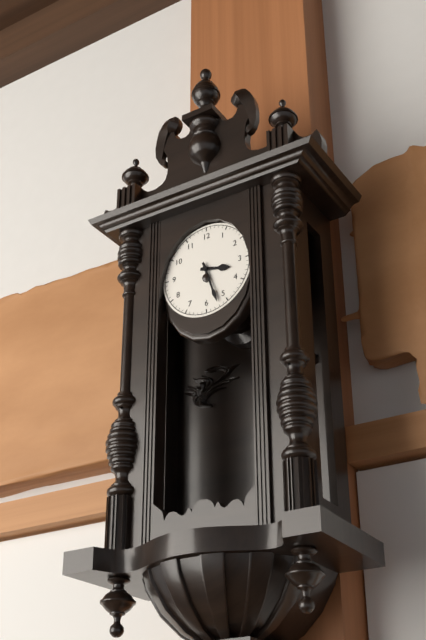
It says 3:27
